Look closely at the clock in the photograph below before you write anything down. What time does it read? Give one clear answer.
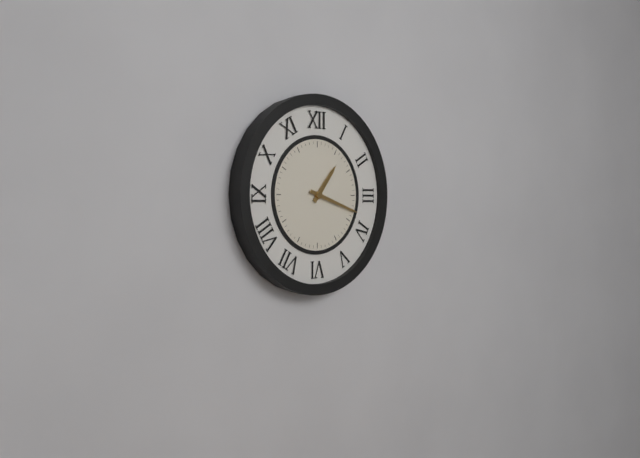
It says 1:18
